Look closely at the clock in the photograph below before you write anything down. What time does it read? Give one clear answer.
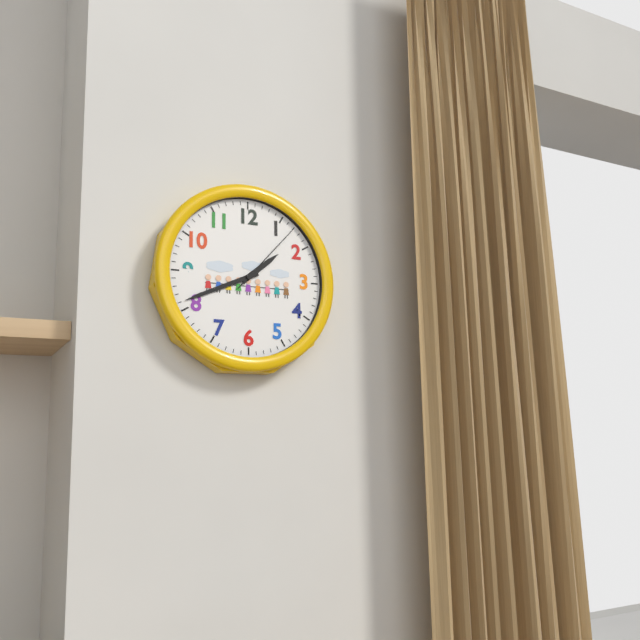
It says 1:41:07
